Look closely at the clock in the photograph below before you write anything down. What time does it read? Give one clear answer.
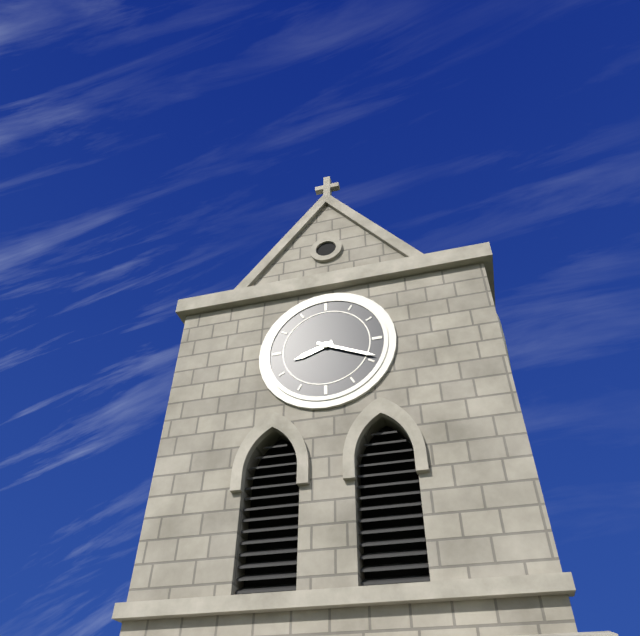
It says 8:19
